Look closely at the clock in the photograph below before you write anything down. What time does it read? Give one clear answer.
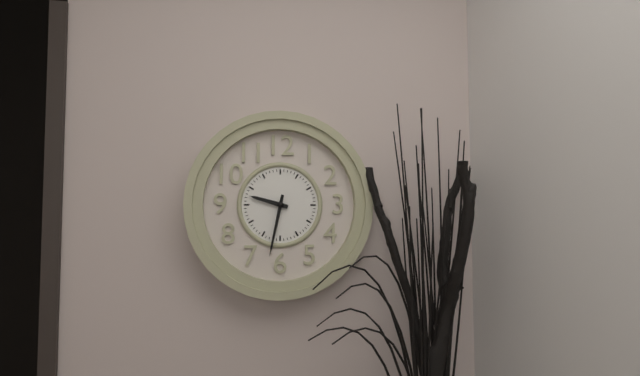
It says 9:32
